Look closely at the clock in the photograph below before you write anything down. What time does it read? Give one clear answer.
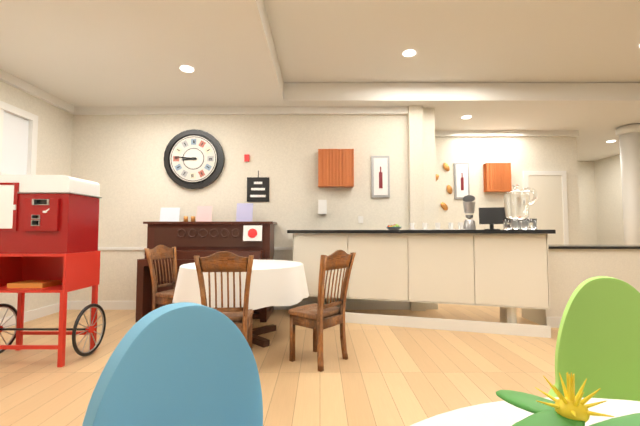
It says 8:46
